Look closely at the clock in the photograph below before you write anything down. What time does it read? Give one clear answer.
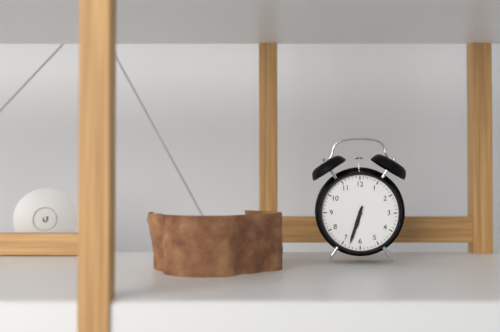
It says 6:33
